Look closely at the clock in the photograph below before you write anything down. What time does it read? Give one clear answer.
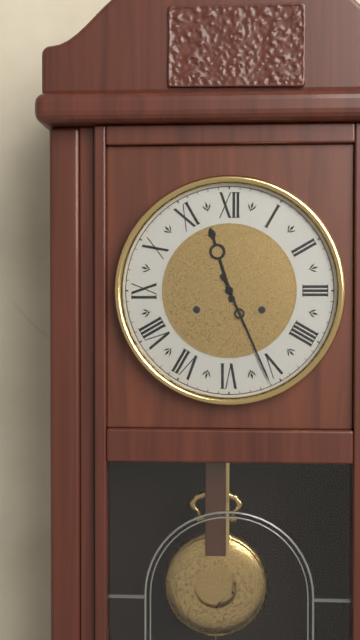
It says 11:26
